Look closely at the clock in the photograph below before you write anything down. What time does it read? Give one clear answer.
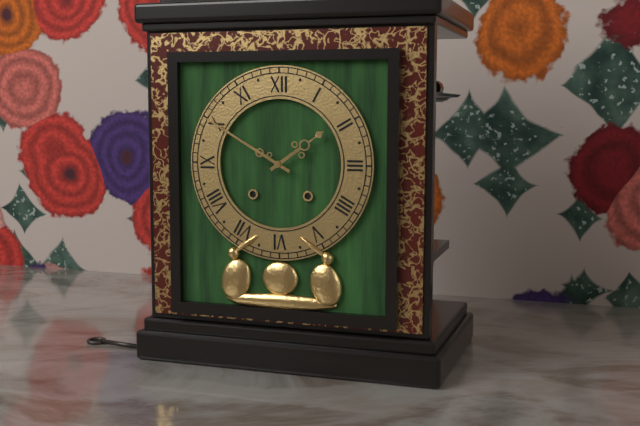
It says 1:50
